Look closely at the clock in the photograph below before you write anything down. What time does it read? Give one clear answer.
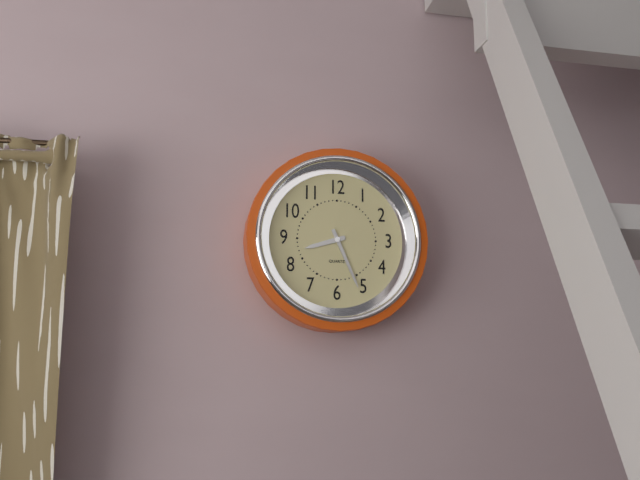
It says 8:26
